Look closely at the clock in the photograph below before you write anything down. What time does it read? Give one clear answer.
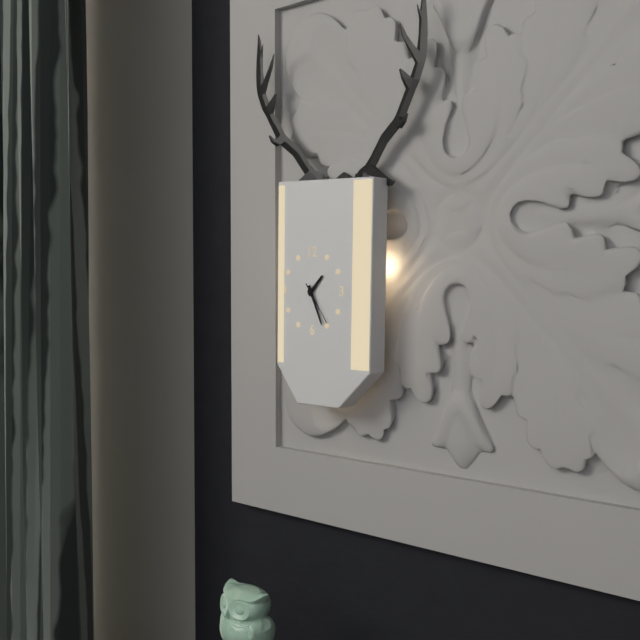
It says 1:26
